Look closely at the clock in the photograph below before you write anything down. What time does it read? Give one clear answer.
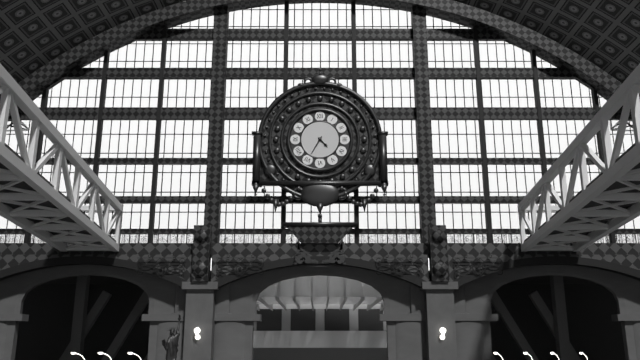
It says 4:35
